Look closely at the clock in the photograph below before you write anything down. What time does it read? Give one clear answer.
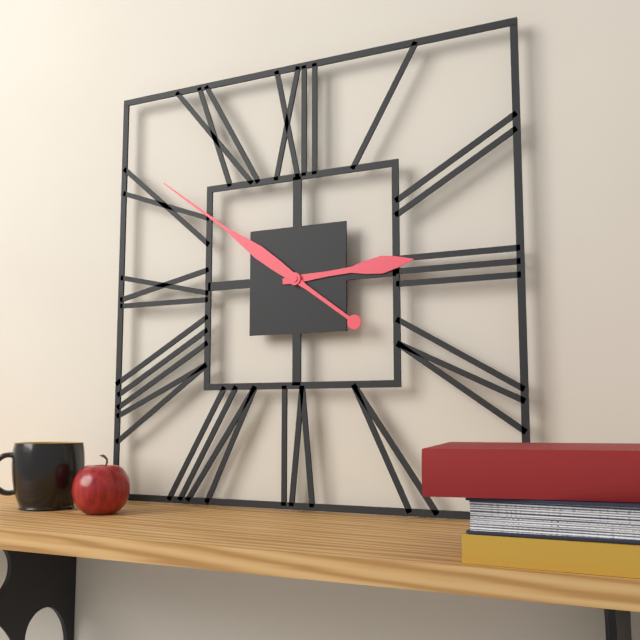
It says 2:51
